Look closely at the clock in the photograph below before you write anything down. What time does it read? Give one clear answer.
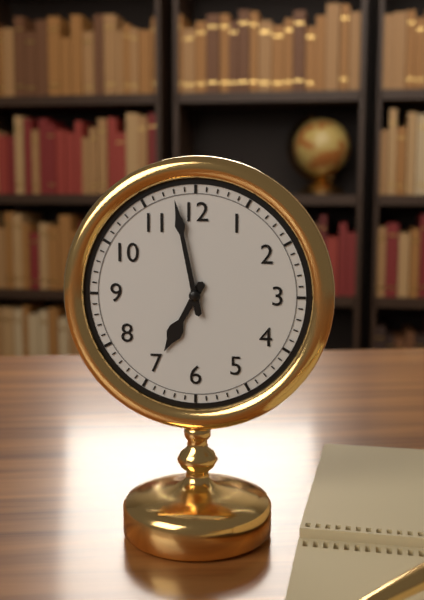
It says 6:58
